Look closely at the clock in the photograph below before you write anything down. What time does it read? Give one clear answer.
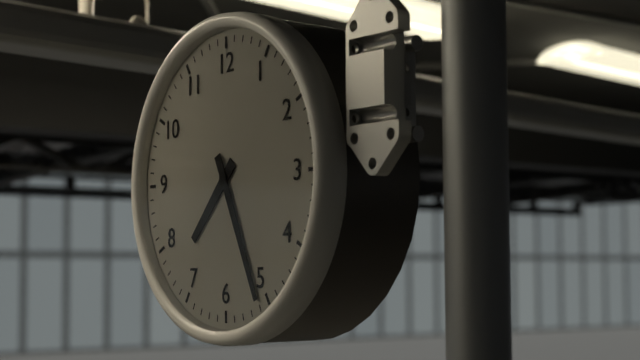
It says 7:26
